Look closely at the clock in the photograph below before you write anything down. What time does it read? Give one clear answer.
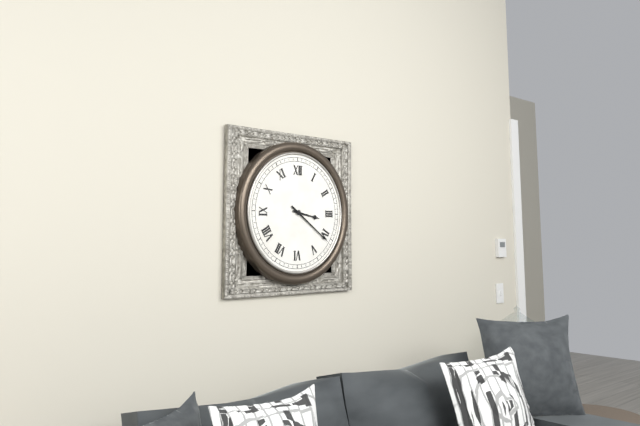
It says 3:21
